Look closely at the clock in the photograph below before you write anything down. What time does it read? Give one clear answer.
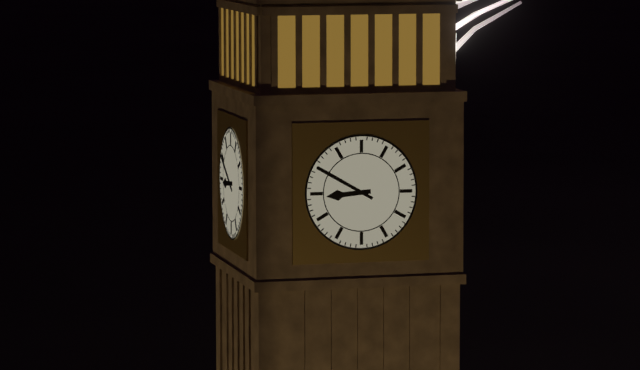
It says 8:50
